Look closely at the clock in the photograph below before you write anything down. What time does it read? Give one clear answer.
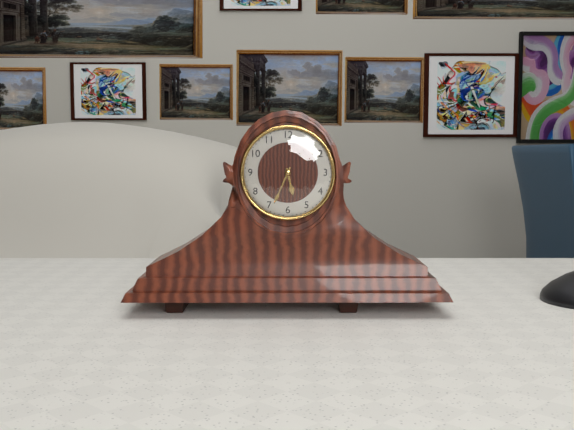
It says 5:34
